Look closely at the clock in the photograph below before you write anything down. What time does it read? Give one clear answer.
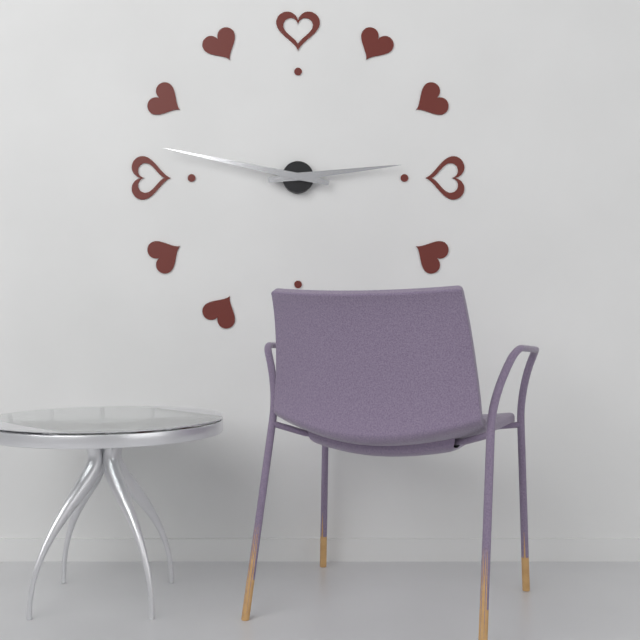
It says 2:47
